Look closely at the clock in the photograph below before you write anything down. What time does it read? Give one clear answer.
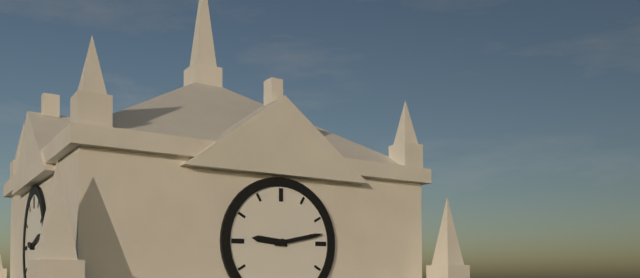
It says 9:13
